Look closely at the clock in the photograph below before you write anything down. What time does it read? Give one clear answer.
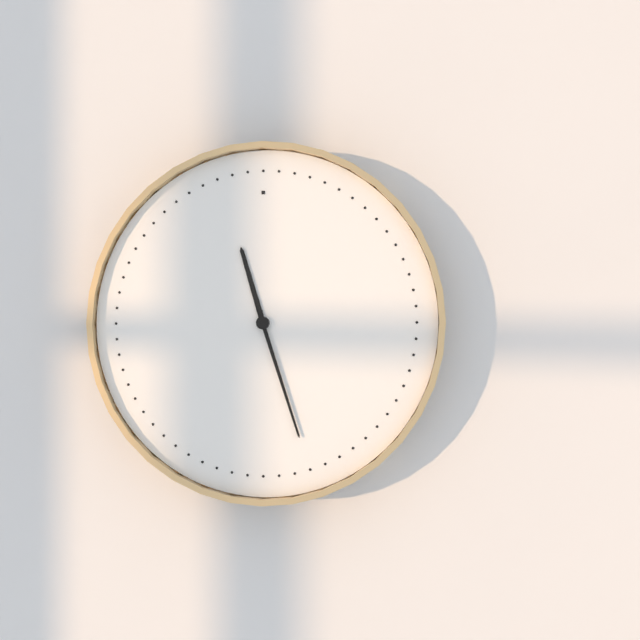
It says 11:27
